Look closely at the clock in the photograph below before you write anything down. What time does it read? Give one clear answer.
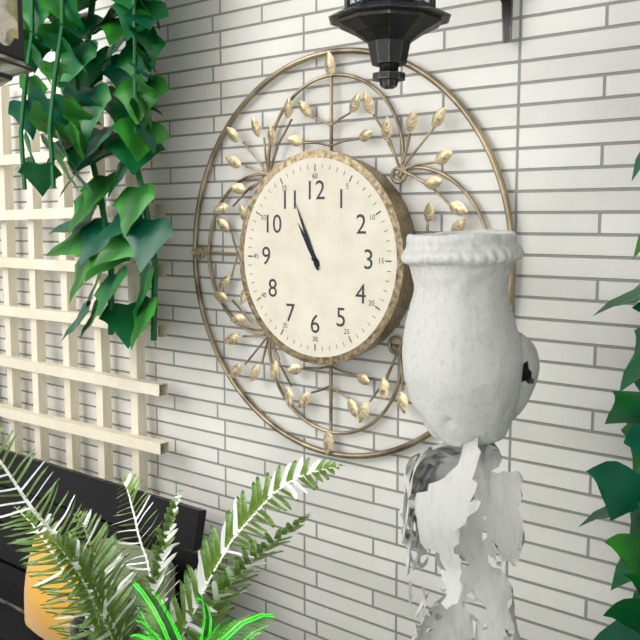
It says 10:56
